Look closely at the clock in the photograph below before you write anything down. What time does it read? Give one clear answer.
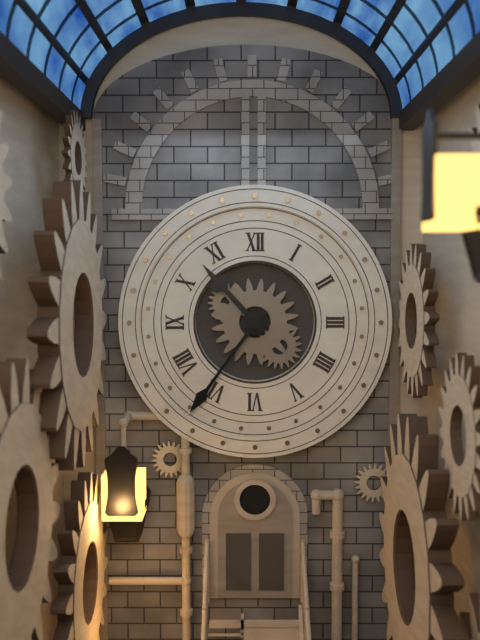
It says 10:36
